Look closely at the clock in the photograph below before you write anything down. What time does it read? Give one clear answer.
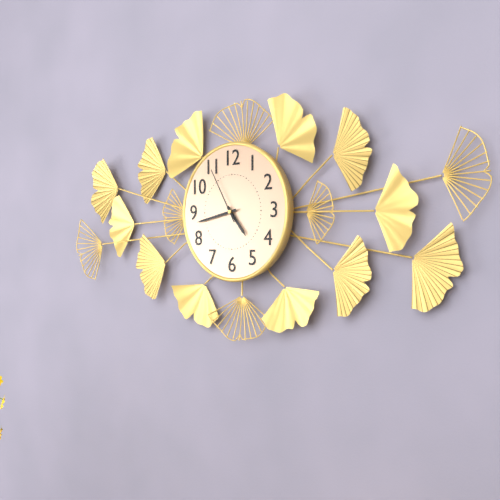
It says 4:43:55
